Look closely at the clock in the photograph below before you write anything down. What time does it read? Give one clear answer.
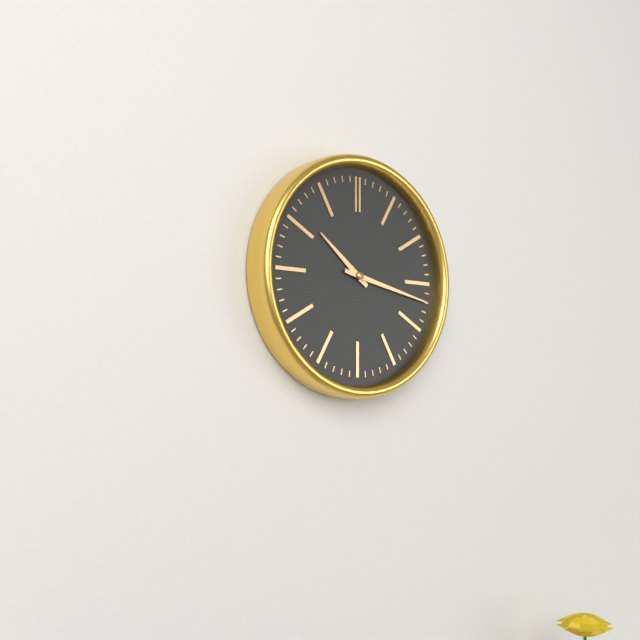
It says 10:17
